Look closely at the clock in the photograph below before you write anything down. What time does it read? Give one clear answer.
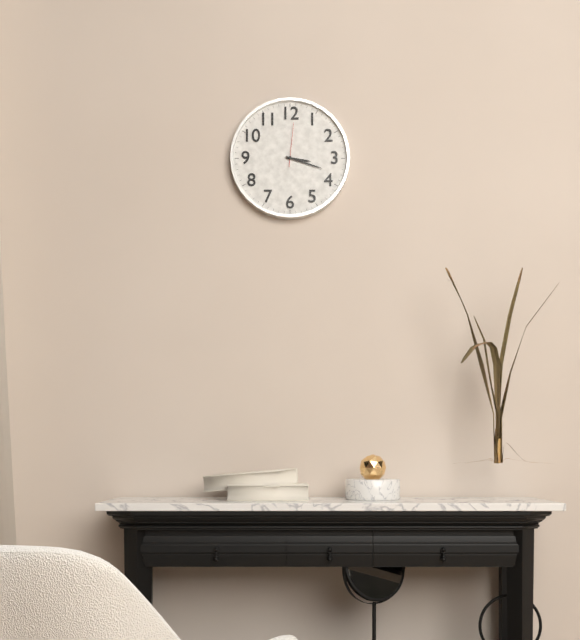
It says 3:18
